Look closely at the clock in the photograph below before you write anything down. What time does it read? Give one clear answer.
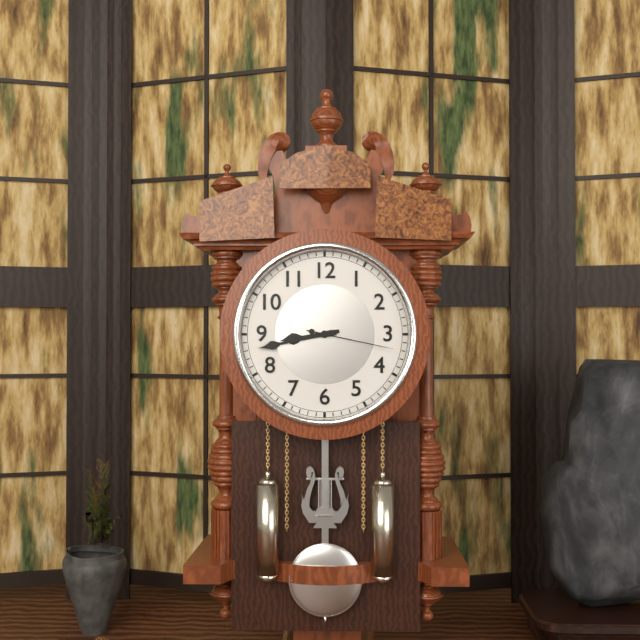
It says 8:43:17
